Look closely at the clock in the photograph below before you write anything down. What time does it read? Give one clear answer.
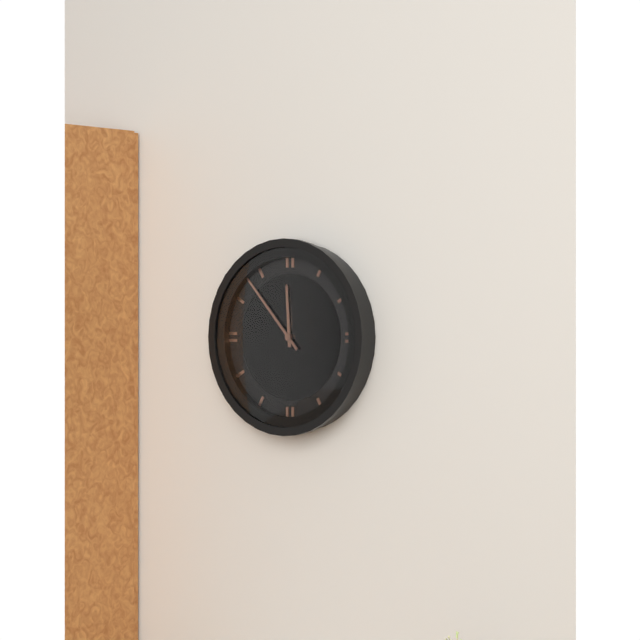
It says 11:53
